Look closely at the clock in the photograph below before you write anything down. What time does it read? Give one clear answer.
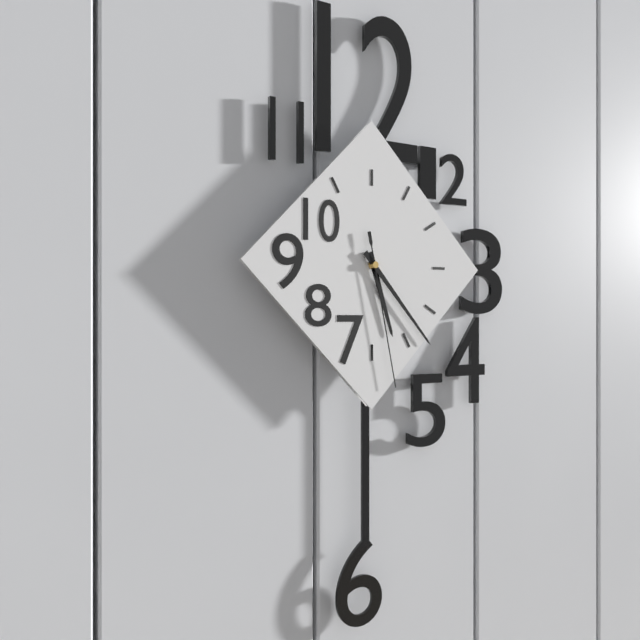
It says 5:23:28
